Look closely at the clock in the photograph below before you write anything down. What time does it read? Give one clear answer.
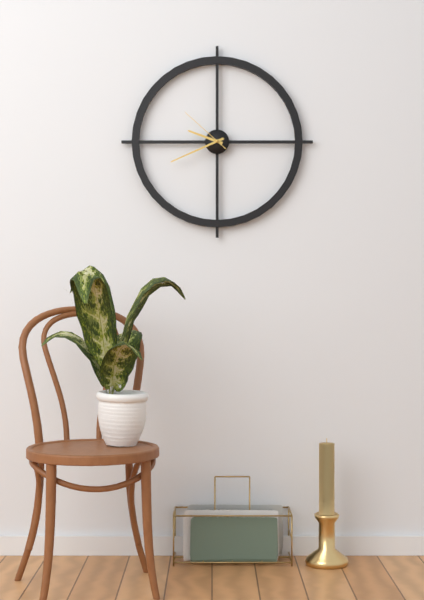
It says 9:41:52
